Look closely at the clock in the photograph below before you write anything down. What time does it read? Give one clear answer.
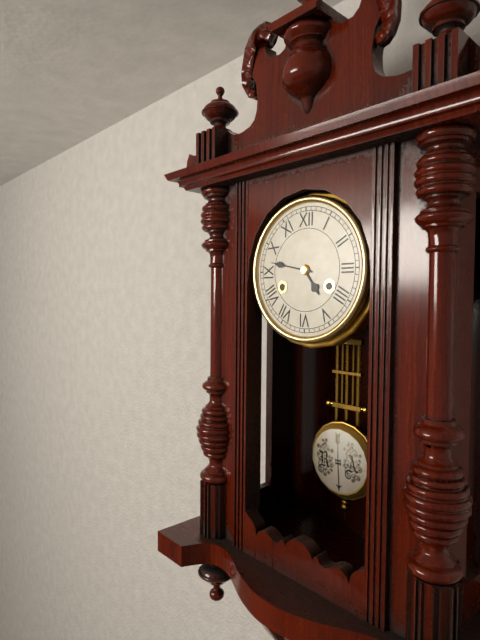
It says 4:47
